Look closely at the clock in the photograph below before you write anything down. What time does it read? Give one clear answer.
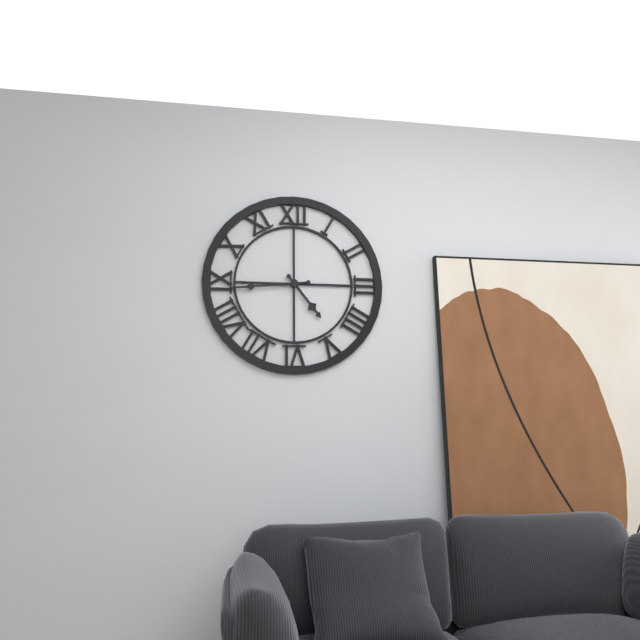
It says 4:44
